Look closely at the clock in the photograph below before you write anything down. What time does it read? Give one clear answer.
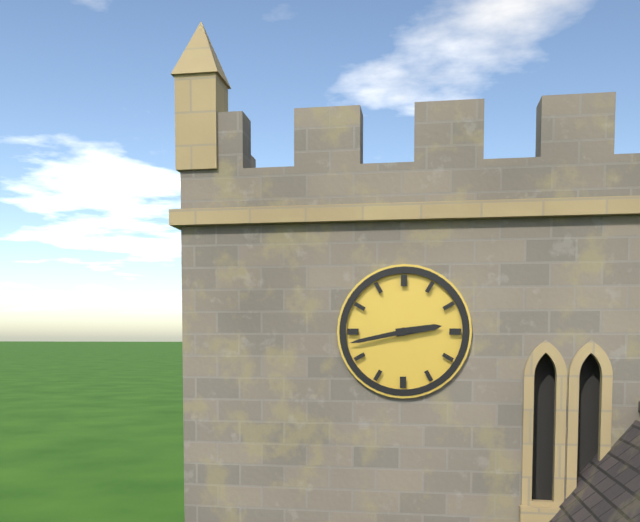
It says 2:43
